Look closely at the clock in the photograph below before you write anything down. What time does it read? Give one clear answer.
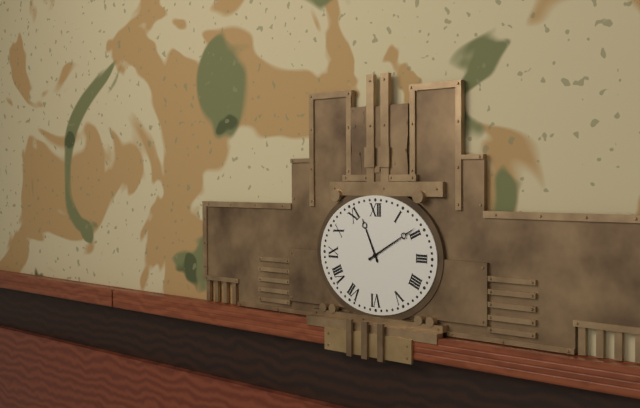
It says 11:10
